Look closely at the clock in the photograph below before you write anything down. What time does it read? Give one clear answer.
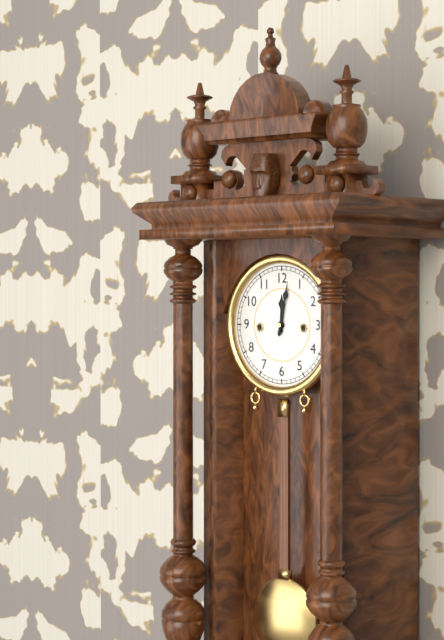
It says 12:02
